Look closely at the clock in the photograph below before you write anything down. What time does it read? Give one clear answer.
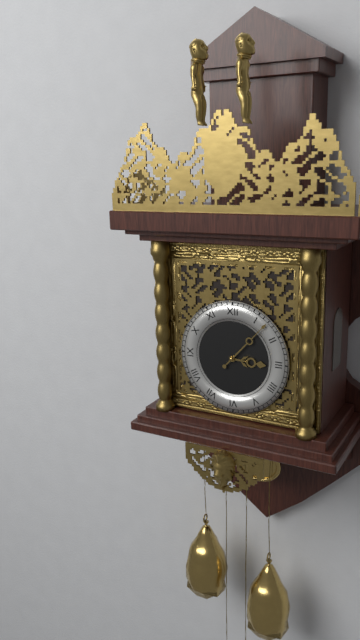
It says 3:07
